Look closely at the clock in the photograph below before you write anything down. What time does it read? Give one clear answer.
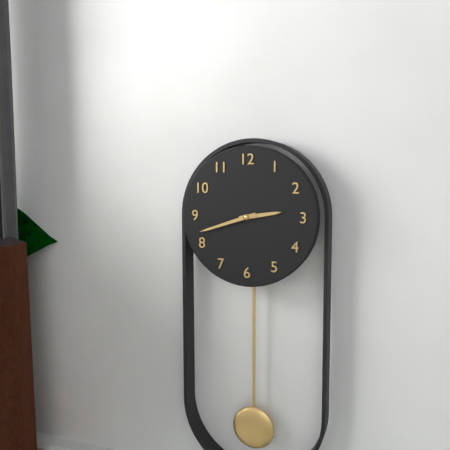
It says 2:42
